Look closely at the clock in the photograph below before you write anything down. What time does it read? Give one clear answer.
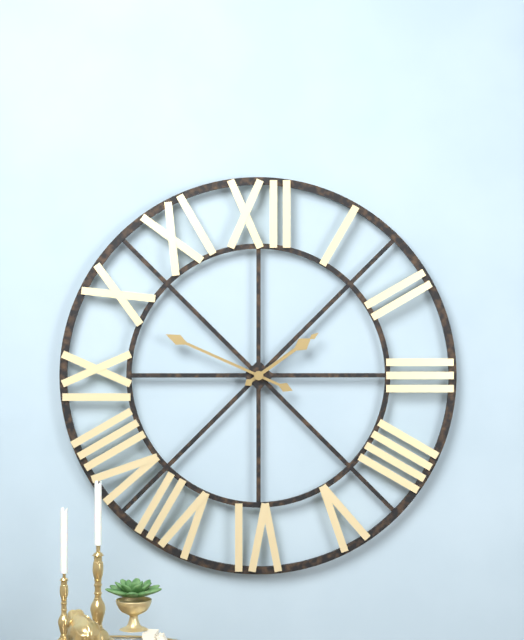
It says 1:49
